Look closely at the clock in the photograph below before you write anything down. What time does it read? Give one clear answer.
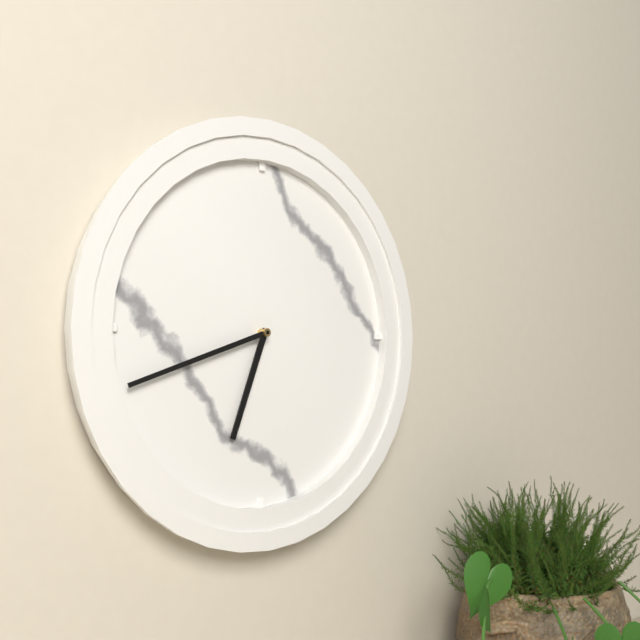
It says 6:42
